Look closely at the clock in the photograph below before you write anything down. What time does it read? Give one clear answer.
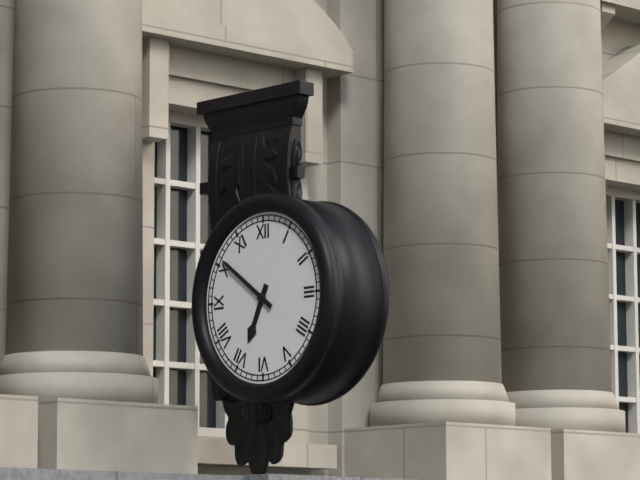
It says 6:51
